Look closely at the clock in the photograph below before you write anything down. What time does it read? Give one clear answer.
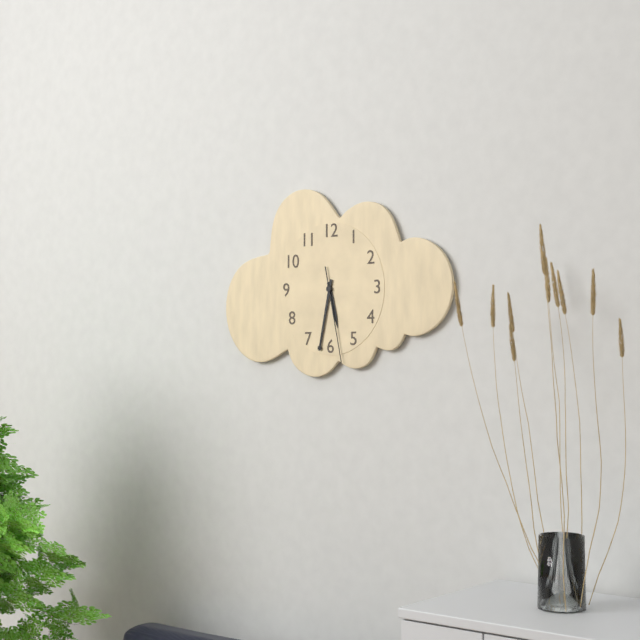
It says 5:32:28
